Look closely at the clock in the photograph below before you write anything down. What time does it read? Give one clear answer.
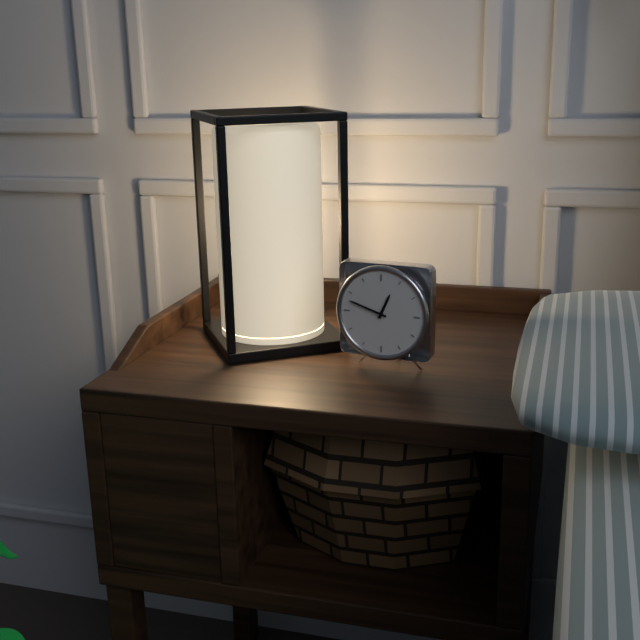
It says 12:48
